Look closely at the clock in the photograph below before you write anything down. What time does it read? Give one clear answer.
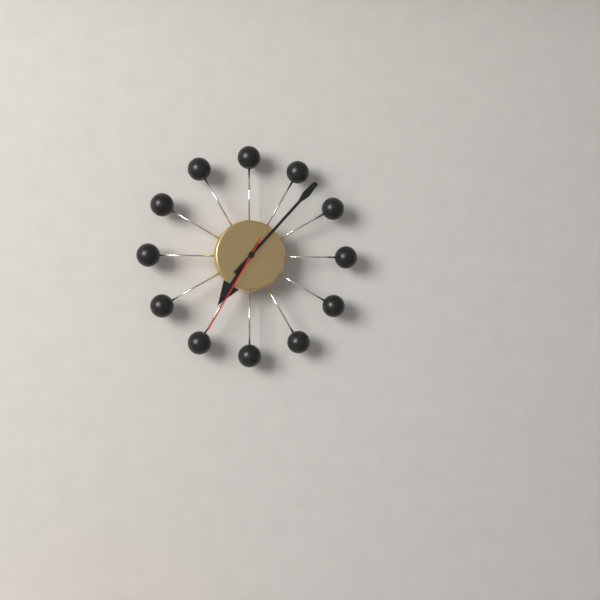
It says 7:07:35
